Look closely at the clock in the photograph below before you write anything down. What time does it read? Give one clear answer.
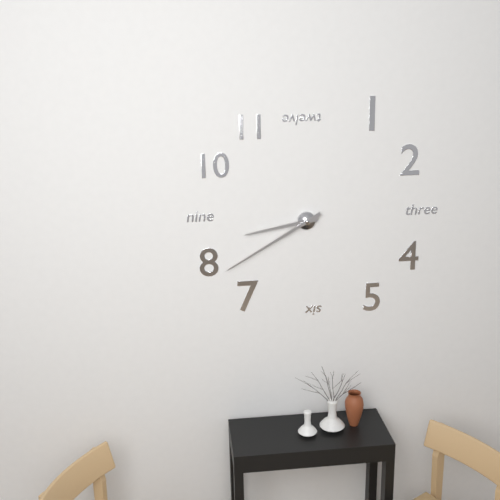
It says 8:40
